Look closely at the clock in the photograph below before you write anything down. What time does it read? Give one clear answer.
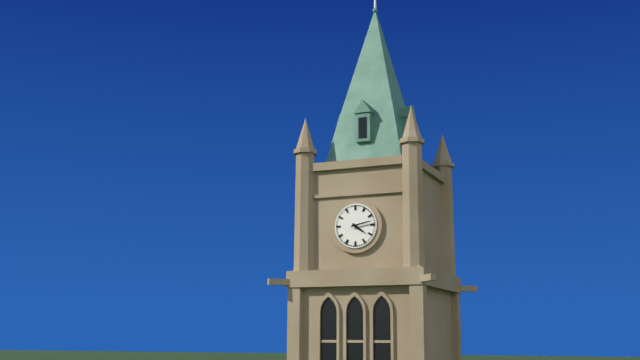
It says 4:13
